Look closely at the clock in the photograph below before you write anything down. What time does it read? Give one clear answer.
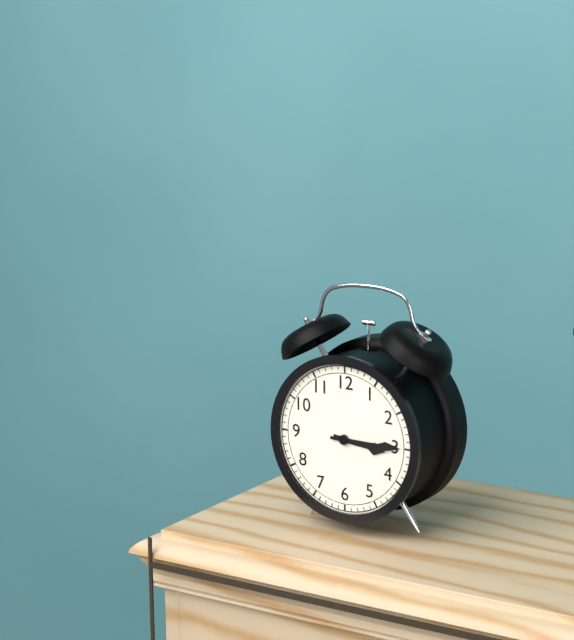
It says 3:15
